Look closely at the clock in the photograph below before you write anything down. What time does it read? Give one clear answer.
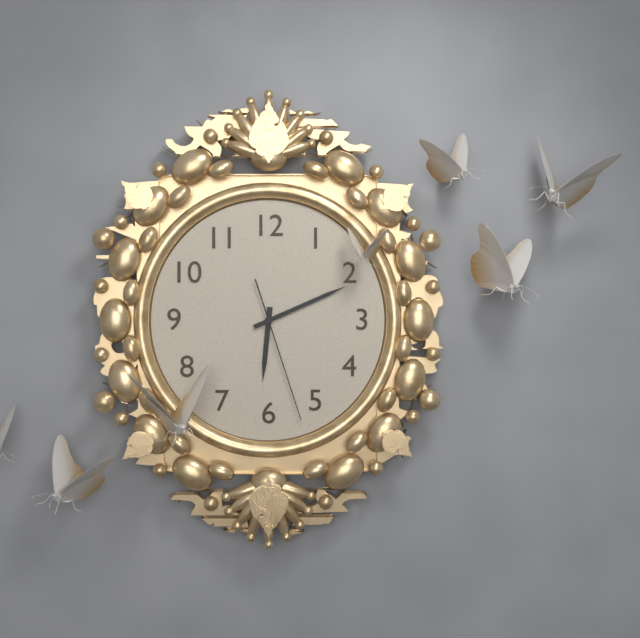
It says 6:11:27
